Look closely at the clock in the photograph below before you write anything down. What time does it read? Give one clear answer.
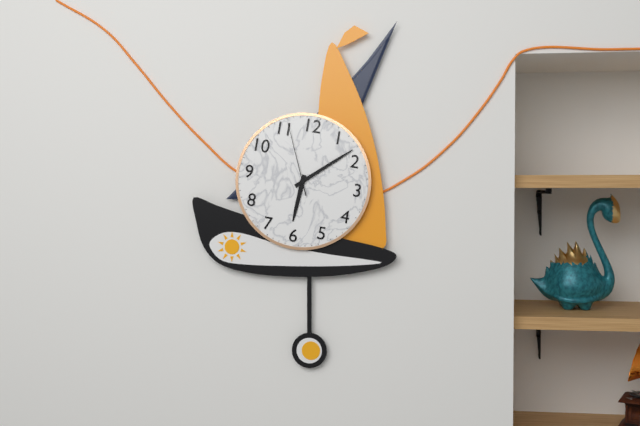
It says 6:08:56
